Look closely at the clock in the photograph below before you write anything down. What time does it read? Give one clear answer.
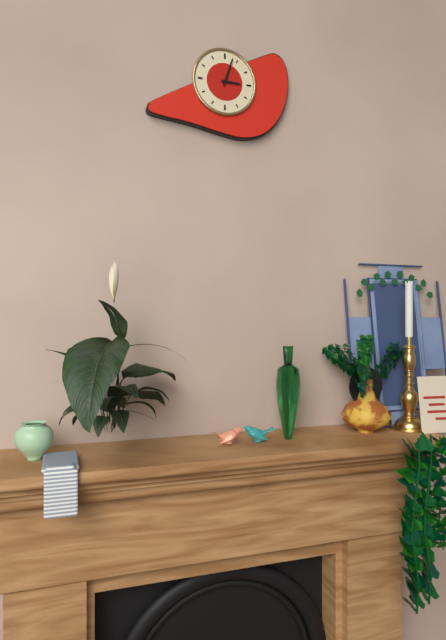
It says 3:03
